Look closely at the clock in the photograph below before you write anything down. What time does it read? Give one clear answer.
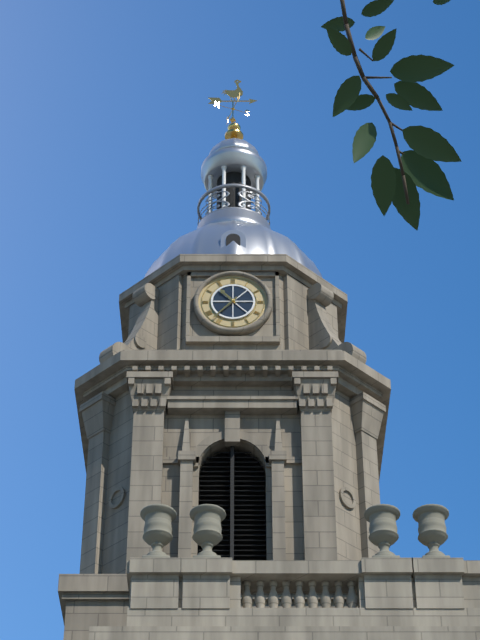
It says 10:37
